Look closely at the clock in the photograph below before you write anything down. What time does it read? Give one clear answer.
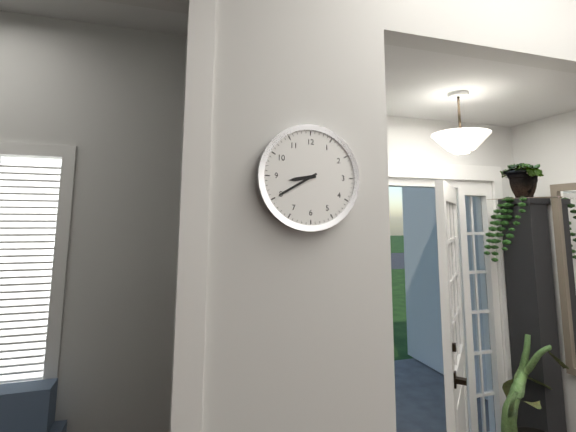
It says 8:40
